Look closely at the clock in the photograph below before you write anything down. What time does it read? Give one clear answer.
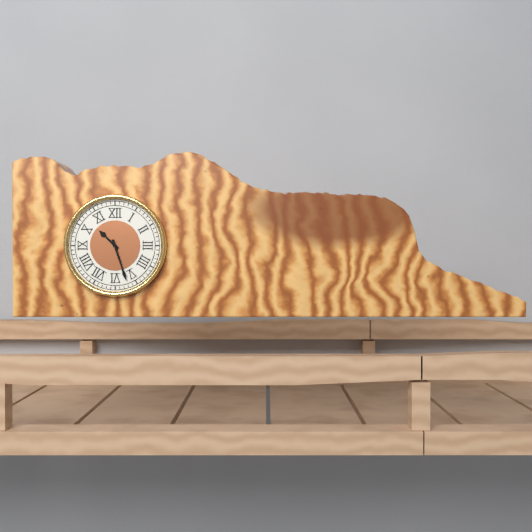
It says 10:27
